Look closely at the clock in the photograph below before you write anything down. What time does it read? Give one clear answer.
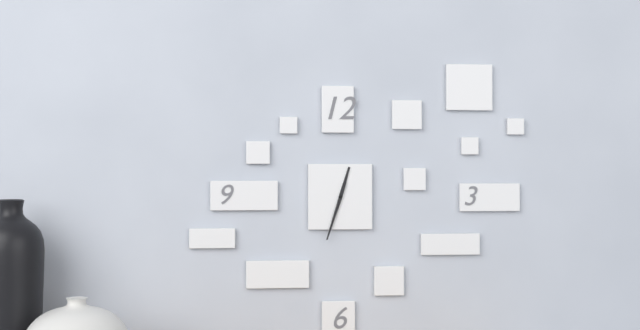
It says 12:33
